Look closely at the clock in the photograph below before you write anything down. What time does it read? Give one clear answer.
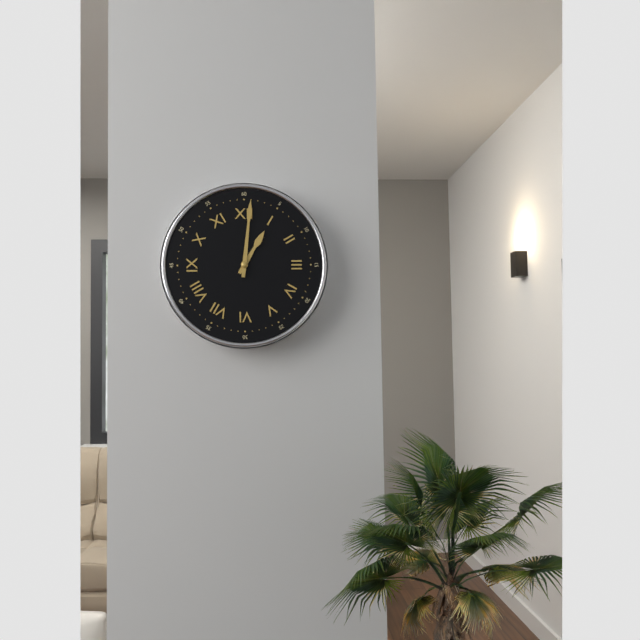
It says 1:01
